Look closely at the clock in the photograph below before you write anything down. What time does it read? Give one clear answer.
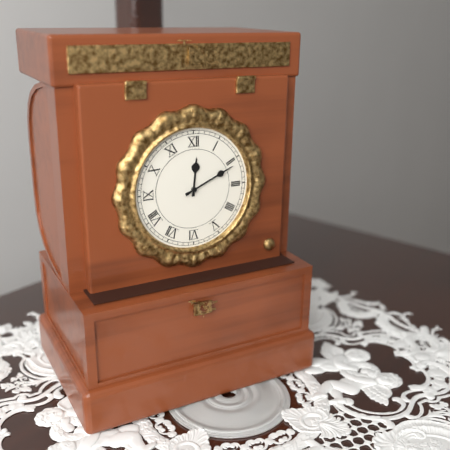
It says 12:11
